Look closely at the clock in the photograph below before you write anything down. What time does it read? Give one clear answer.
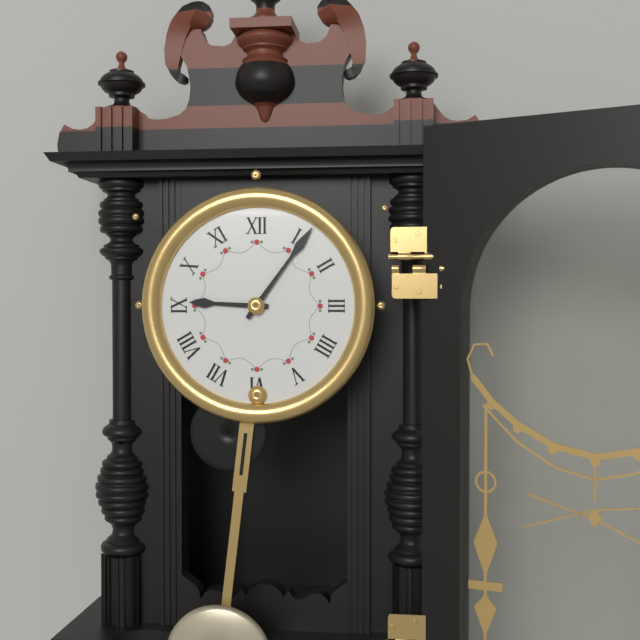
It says 9:06
